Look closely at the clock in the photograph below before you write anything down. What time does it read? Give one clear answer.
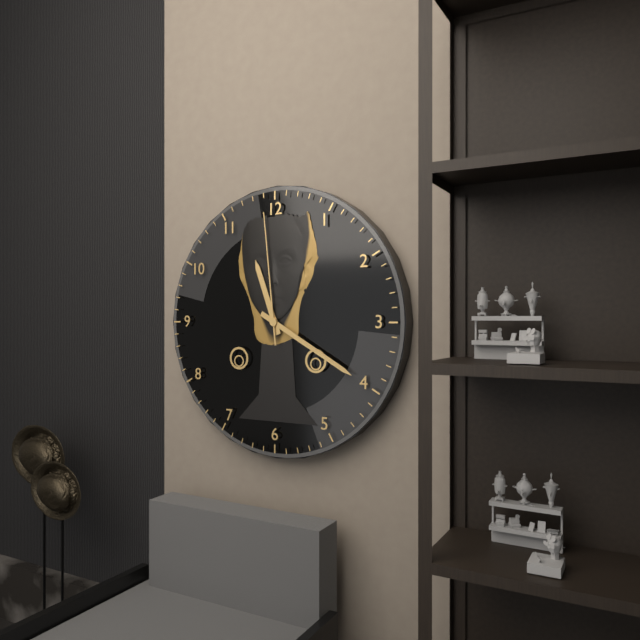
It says 11:20:59
